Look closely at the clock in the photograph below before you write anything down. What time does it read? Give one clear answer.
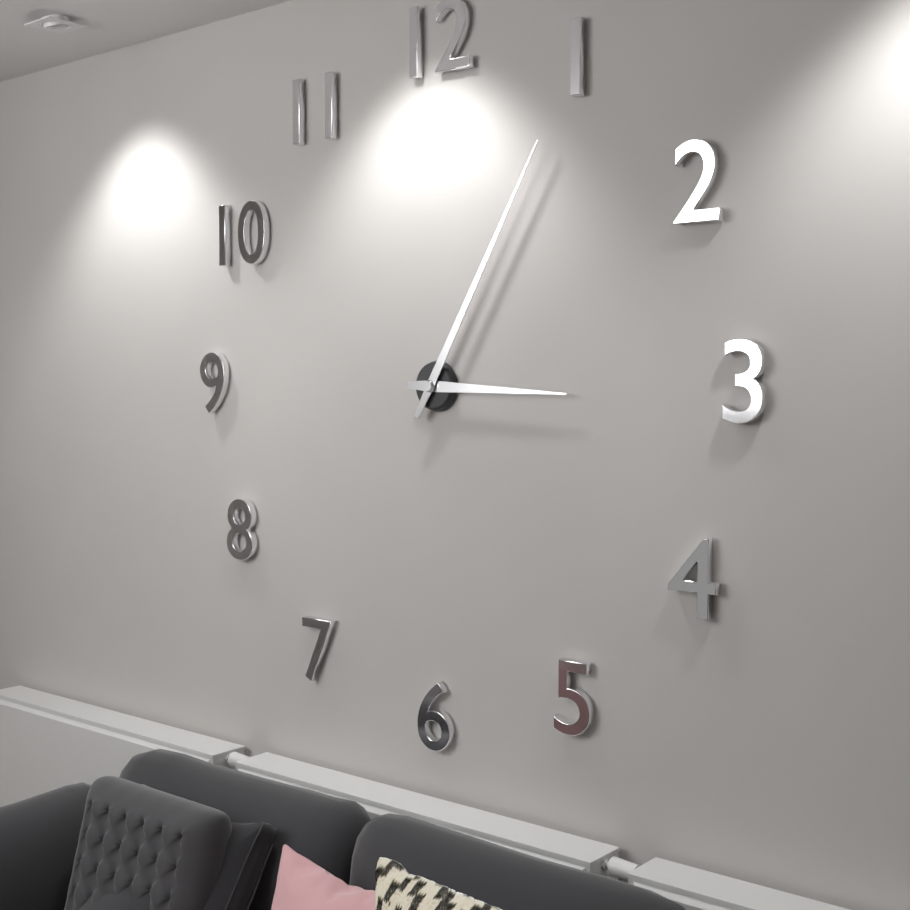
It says 3:05
